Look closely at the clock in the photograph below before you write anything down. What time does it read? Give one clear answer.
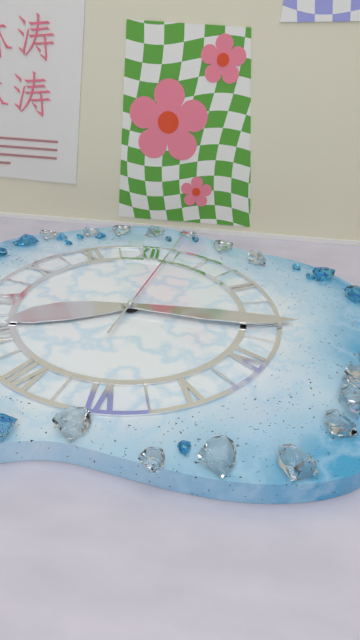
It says 8:15:02
